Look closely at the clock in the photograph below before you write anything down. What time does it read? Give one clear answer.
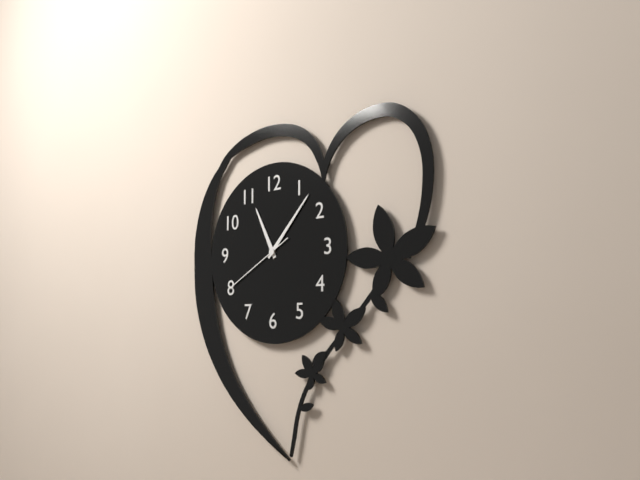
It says 11:07:40
